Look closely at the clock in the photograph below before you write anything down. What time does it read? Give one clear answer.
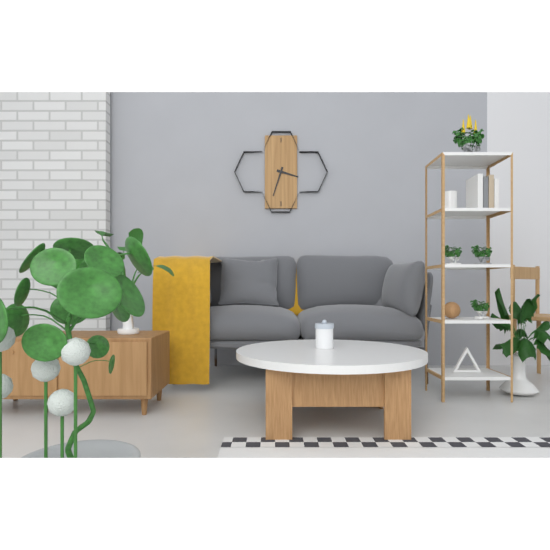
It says 3:33
